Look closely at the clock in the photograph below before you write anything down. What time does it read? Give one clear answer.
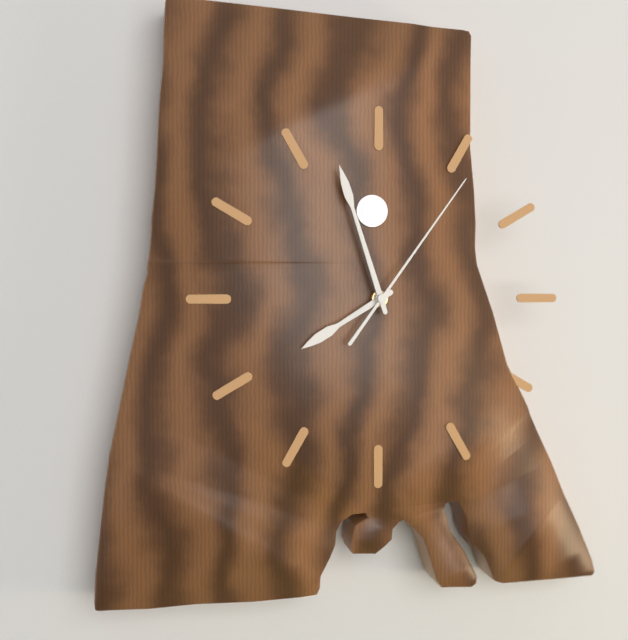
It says 7:57:06
